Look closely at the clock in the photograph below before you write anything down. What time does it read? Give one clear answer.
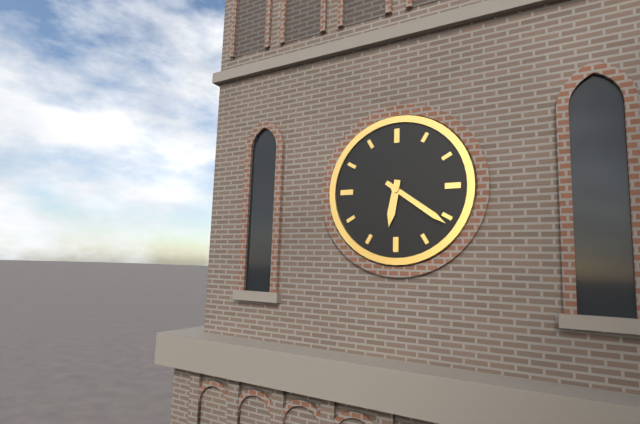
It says 6:21
